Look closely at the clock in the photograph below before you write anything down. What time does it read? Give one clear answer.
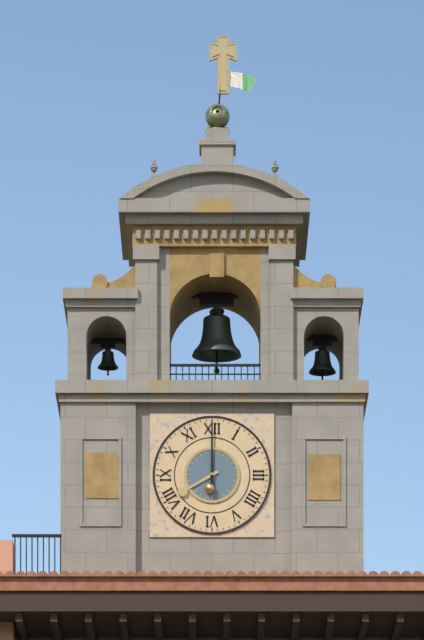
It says 8:00
